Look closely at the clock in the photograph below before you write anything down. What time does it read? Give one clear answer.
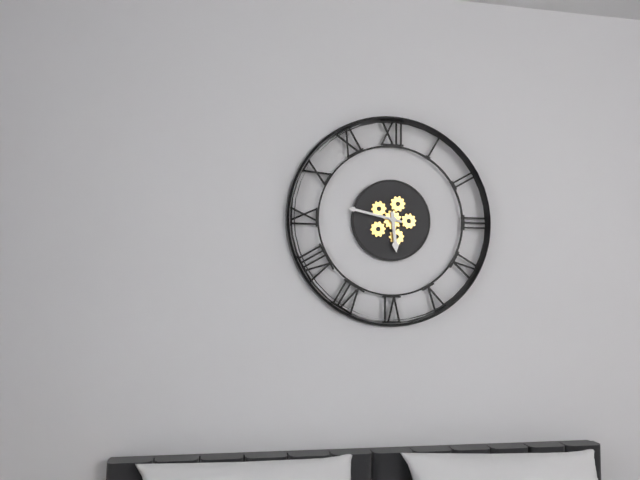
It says 5:47
